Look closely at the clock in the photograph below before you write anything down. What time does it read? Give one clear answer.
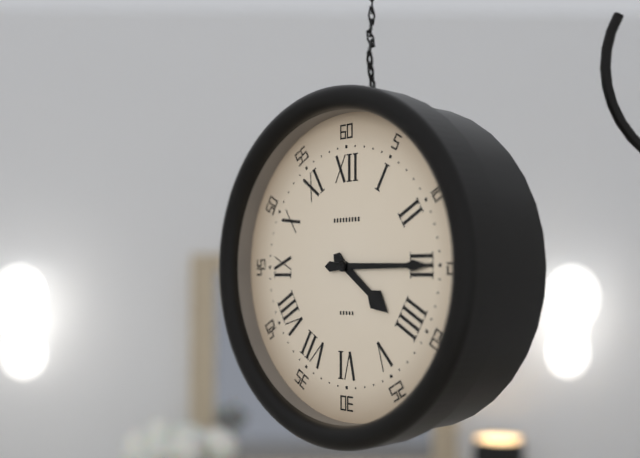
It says 4:15
